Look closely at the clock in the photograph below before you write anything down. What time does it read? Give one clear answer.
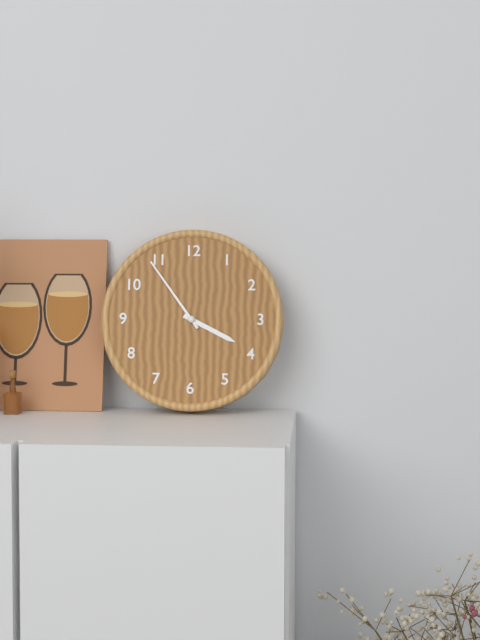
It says 3:54
